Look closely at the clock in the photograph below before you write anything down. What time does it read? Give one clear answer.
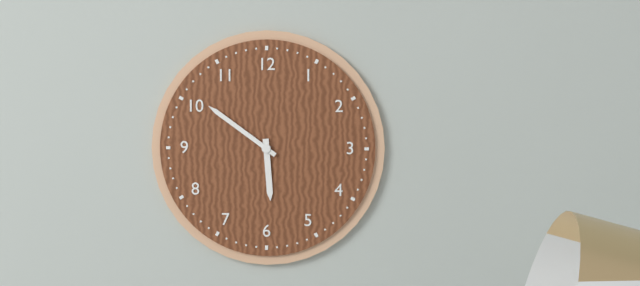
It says 5:51
